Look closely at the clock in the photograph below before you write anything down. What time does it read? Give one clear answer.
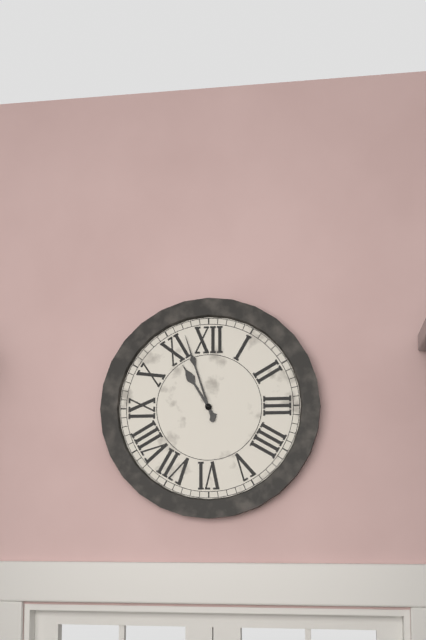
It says 10:57
